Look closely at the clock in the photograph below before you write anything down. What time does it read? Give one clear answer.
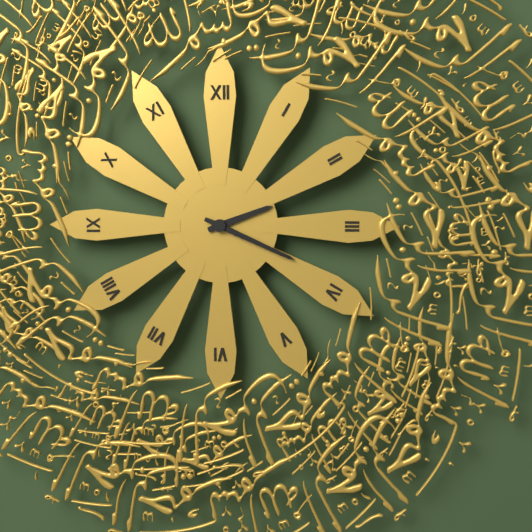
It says 2:19
